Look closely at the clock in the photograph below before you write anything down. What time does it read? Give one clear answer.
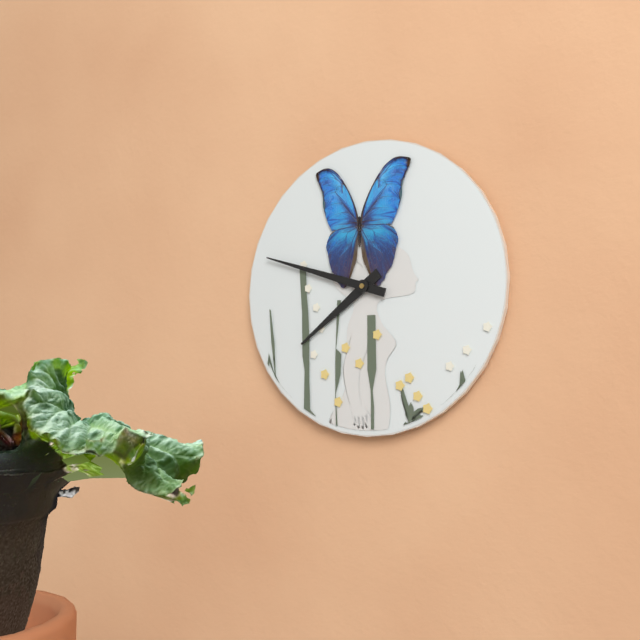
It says 7:48
